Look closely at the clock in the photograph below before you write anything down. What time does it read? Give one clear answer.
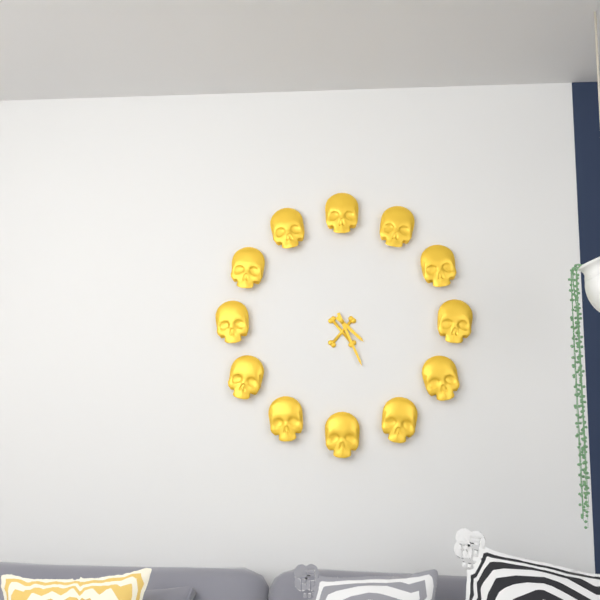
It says 4:26
